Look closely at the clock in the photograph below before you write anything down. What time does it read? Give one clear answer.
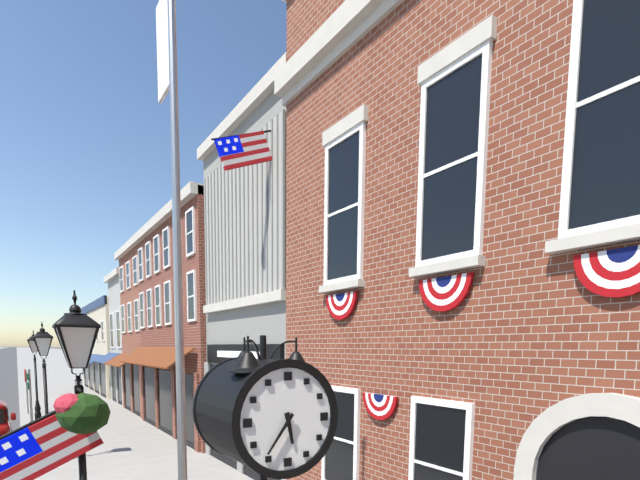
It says 5:36
